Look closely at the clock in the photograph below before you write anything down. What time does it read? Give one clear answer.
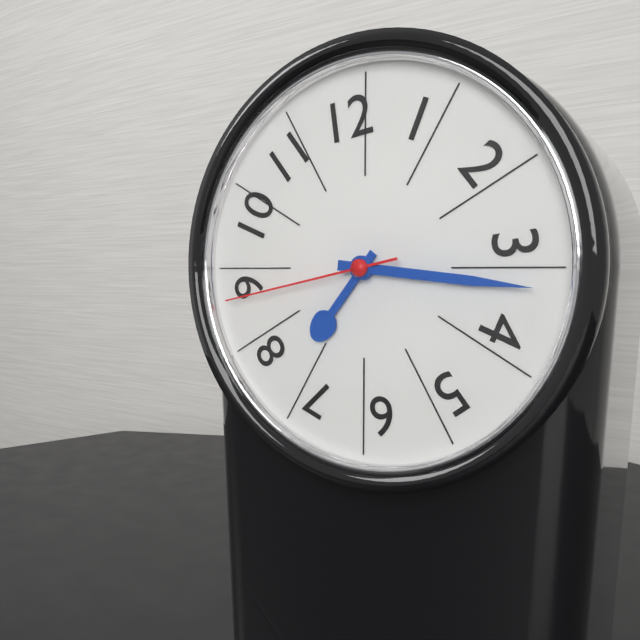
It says 7:16:43
